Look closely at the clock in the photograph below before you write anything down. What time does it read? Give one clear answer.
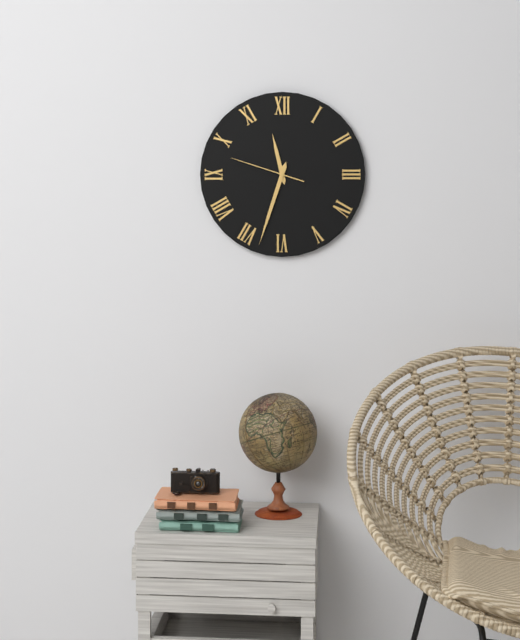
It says 11:33:48
